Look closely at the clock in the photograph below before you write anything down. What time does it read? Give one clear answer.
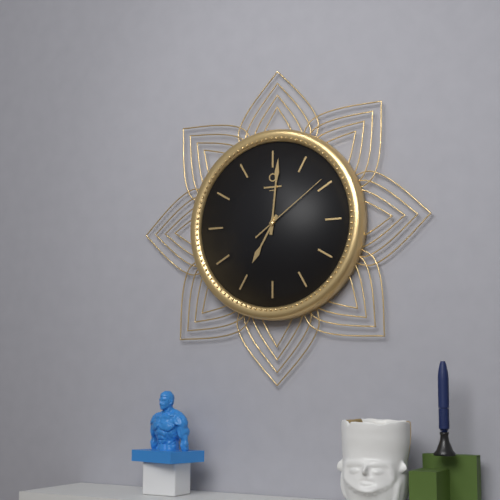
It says 7:01:09
